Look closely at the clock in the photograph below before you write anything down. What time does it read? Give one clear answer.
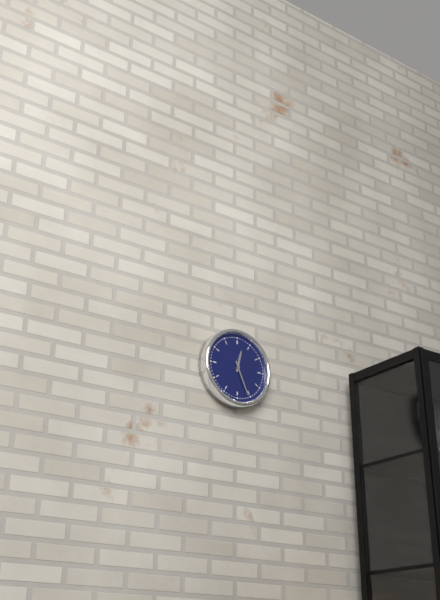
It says 12:26
